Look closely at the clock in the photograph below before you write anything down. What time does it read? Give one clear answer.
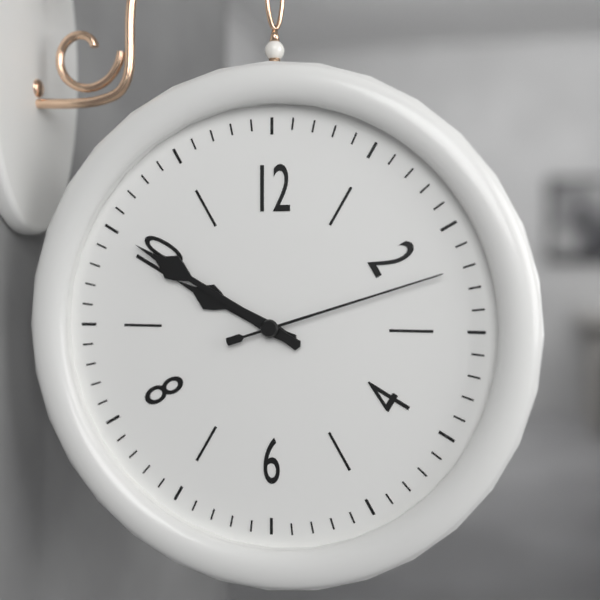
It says 9:50:12
